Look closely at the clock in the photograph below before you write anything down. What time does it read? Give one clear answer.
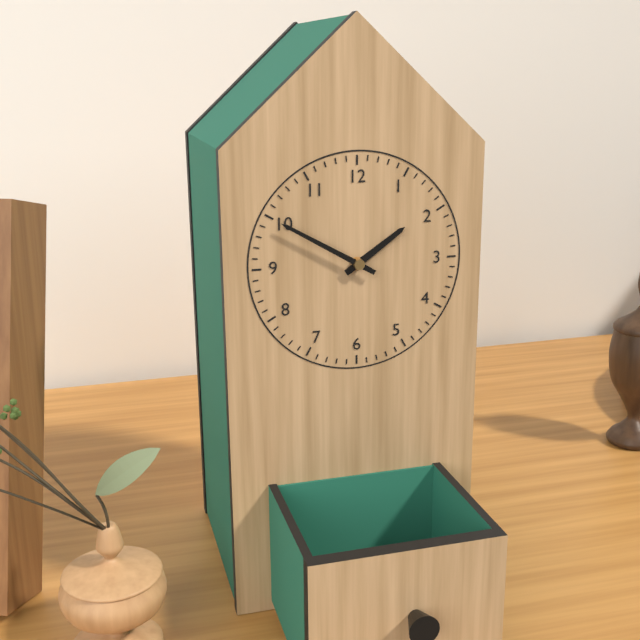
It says 1:50
